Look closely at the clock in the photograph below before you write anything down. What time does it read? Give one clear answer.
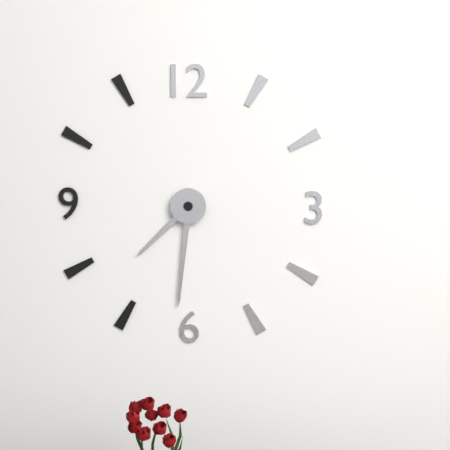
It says 7:31
